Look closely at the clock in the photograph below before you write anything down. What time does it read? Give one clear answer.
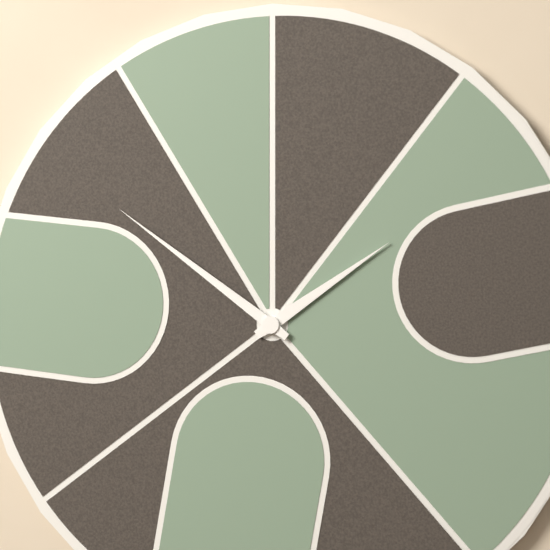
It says 1:51
